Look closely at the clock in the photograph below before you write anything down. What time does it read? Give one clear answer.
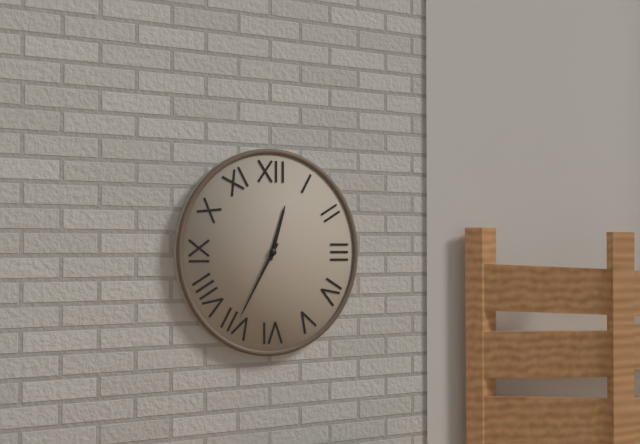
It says 12:35
